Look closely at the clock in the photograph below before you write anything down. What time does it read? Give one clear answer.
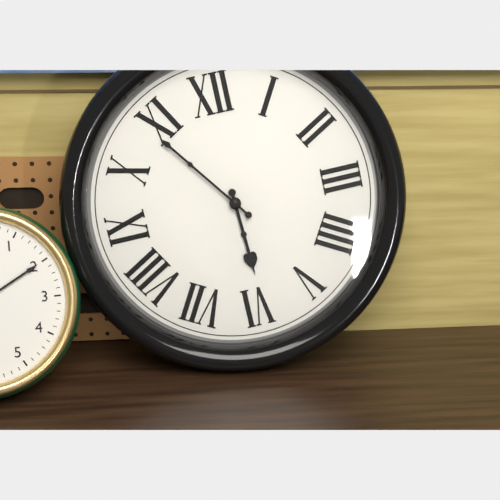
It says 5:54
